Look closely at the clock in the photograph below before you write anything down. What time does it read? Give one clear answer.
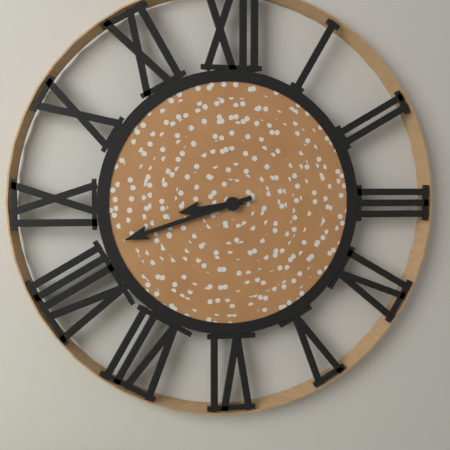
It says 8:42
